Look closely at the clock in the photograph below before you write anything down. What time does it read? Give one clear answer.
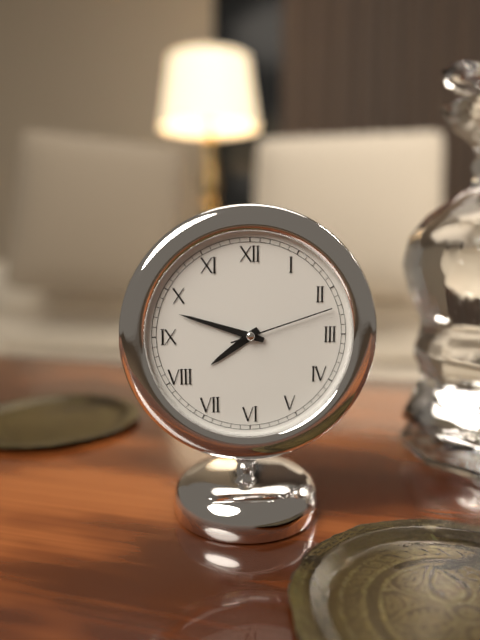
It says 7:48:12
